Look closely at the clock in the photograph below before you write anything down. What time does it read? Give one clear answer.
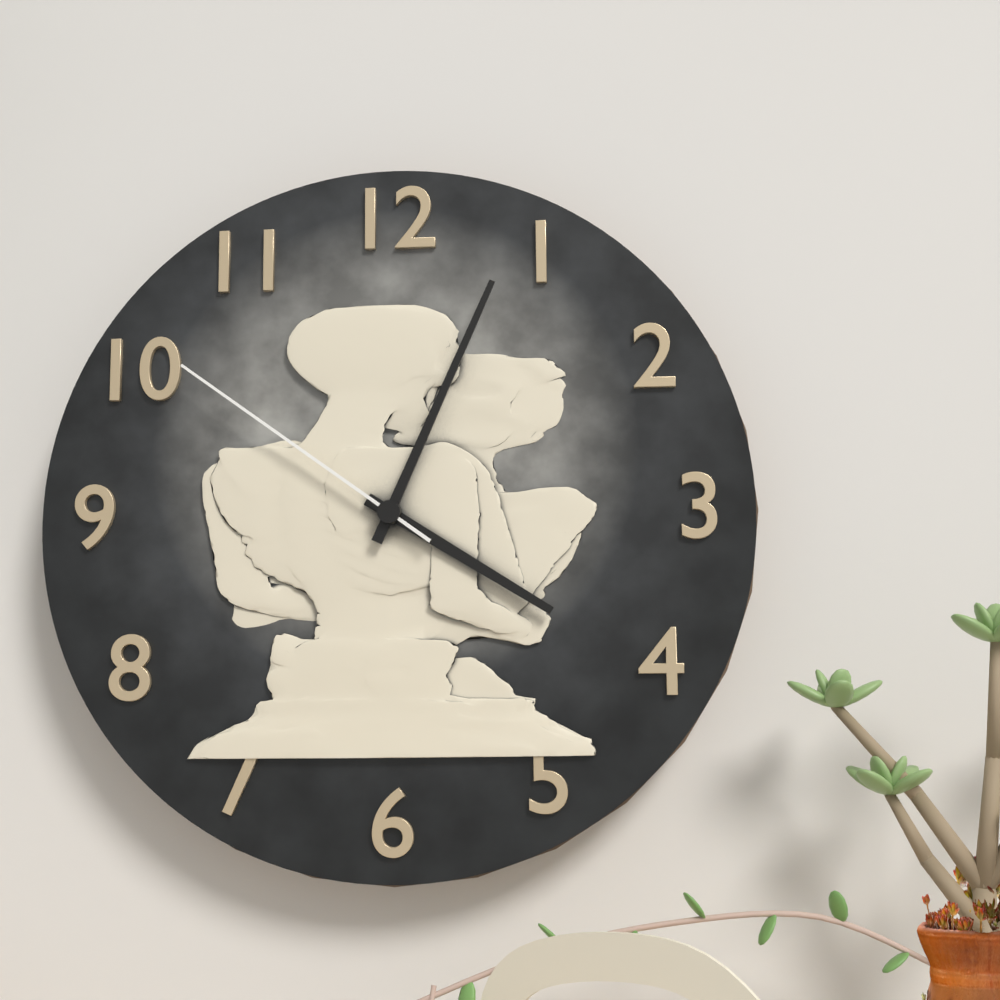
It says 4:04:51
